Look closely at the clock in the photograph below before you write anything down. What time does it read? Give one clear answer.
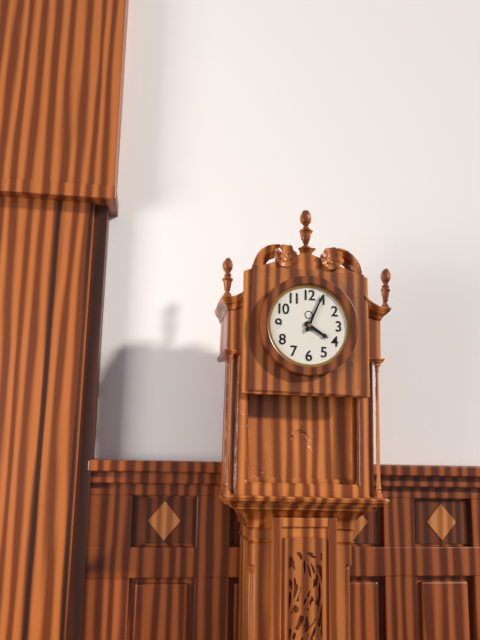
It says 4:04
